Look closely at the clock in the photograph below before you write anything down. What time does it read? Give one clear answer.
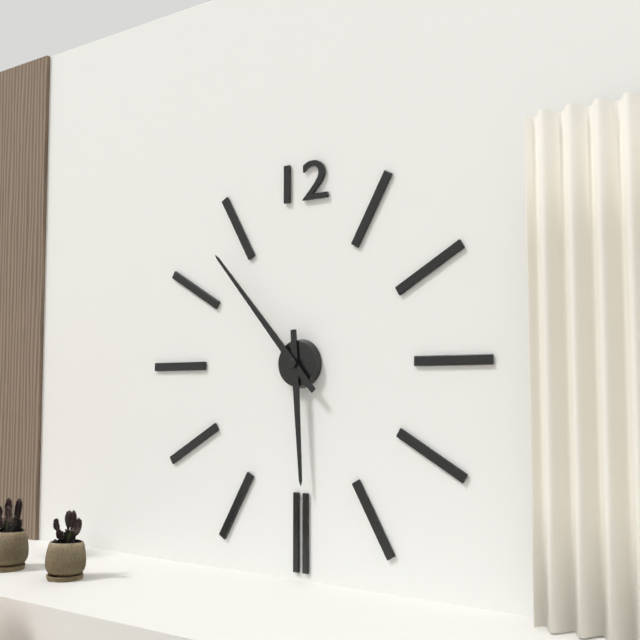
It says 5:53
